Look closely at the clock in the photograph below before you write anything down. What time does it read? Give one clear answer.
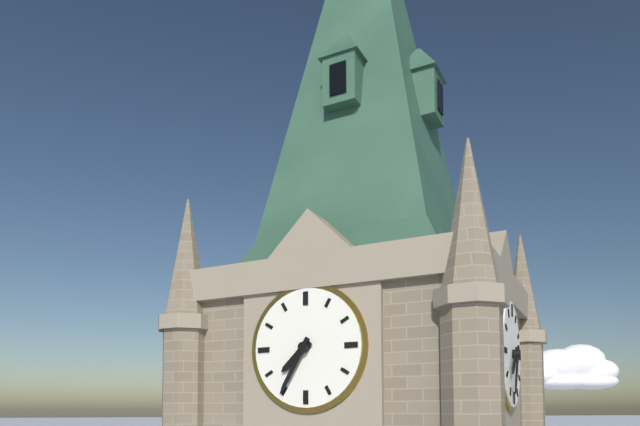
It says 7:35
